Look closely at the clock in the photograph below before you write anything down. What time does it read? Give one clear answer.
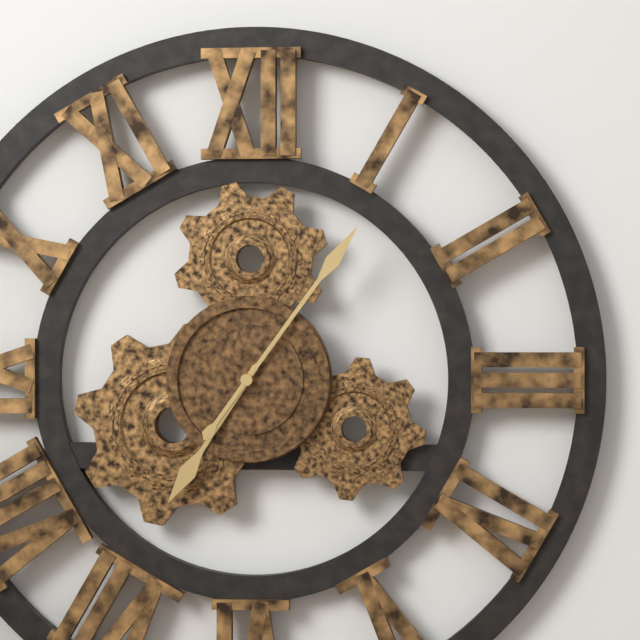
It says 7:06
